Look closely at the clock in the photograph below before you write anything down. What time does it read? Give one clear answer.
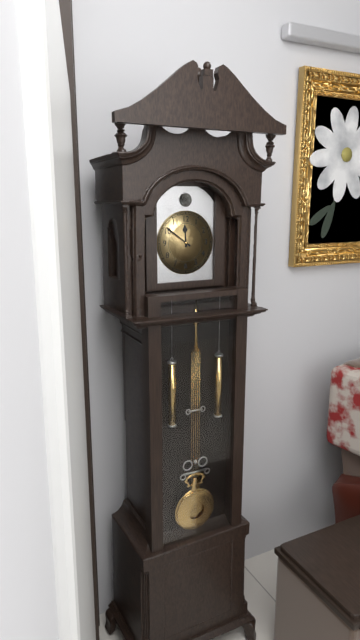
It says 11:51
